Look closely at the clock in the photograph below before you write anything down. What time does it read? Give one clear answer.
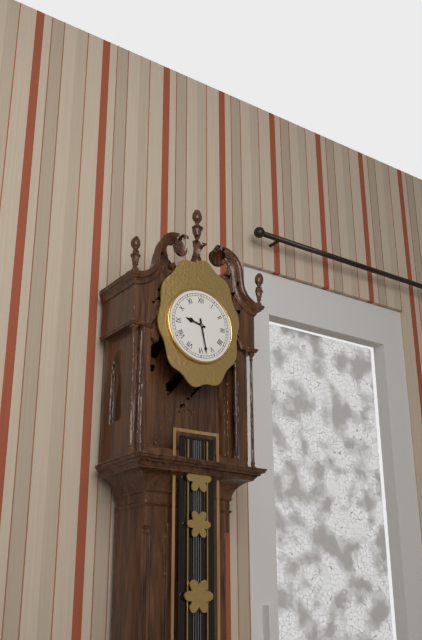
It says 9:28
